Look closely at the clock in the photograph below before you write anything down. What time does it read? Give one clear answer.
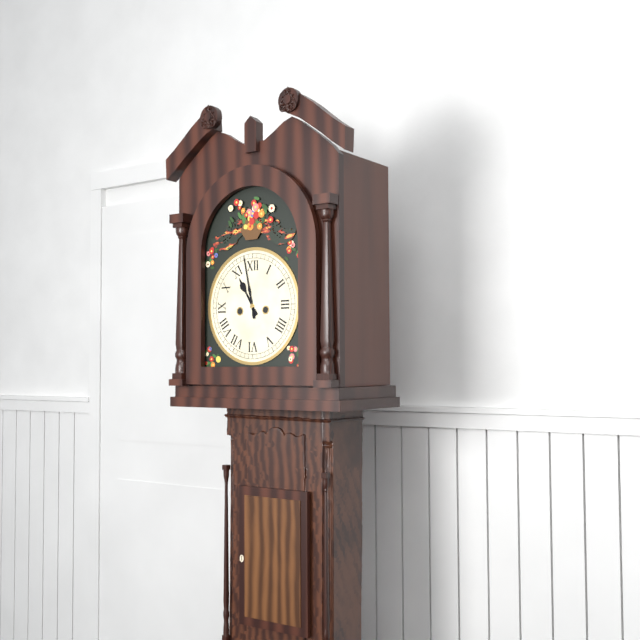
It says 10:58
